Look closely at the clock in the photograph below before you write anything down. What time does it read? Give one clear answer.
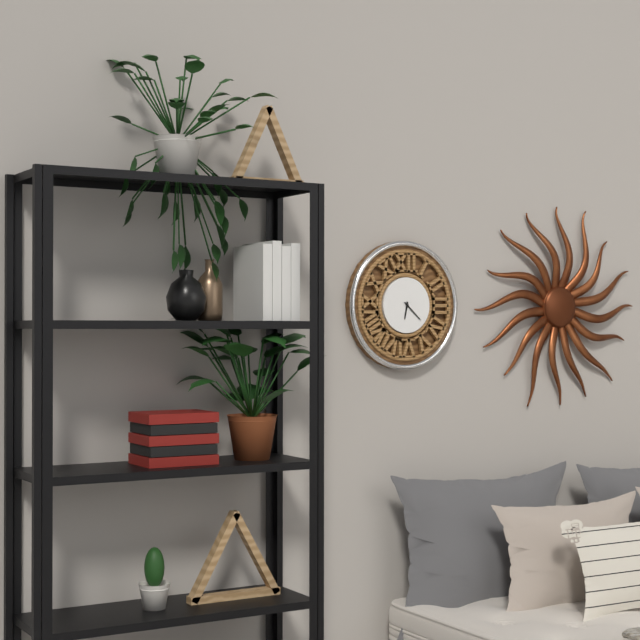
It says 6:22
